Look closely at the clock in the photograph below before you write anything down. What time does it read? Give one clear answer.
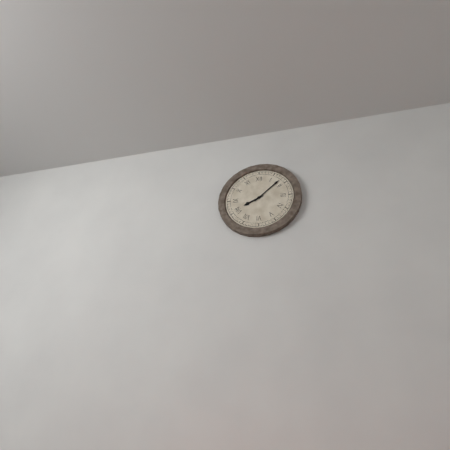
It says 8:08
